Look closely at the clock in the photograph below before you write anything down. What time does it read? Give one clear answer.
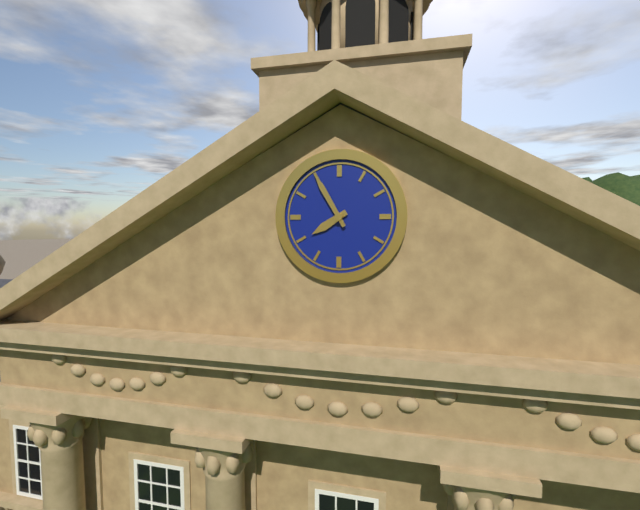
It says 7:55
